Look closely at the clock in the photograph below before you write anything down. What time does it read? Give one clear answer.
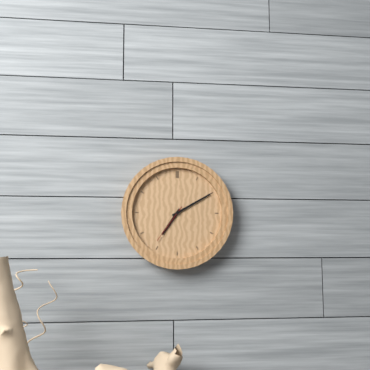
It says 7:10
